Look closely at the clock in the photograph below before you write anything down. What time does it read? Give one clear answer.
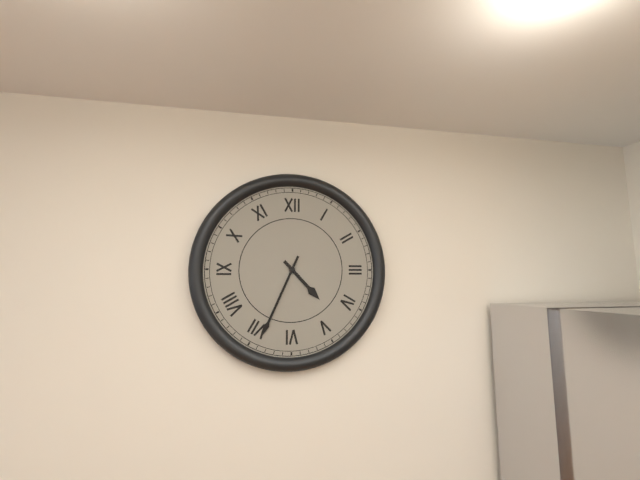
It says 4:34
